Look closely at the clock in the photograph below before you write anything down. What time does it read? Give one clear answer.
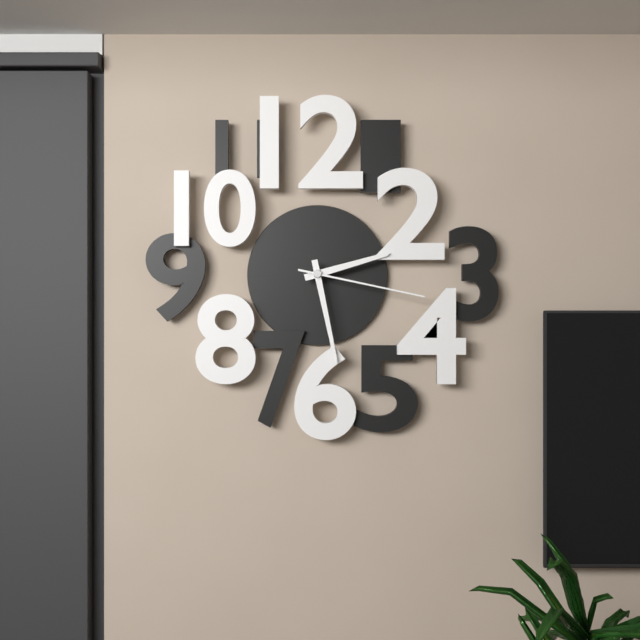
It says 2:28:17
